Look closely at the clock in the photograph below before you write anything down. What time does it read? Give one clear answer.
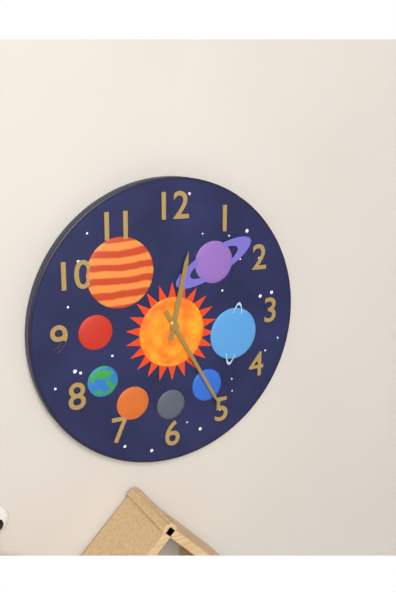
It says 12:25
